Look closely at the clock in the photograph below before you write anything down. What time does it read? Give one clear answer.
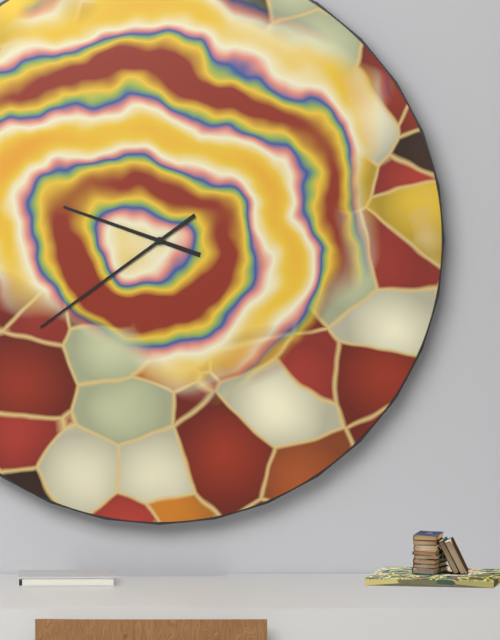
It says 9:39
